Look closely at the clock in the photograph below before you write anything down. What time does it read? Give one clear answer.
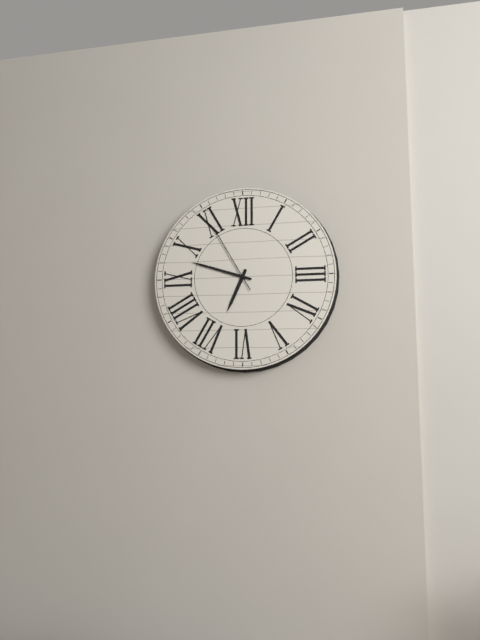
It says 6:48:55
